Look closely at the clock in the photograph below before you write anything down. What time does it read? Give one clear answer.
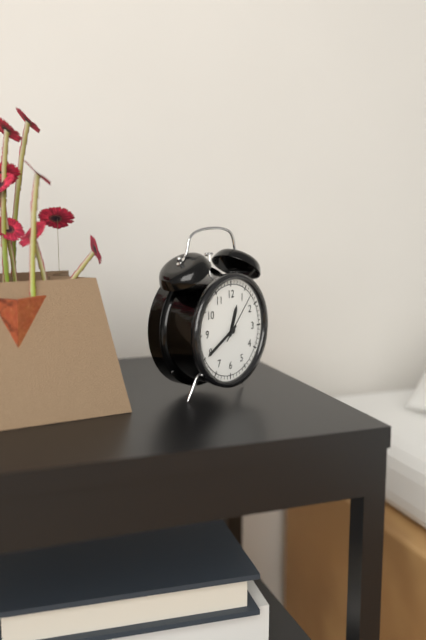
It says 12:40:07
